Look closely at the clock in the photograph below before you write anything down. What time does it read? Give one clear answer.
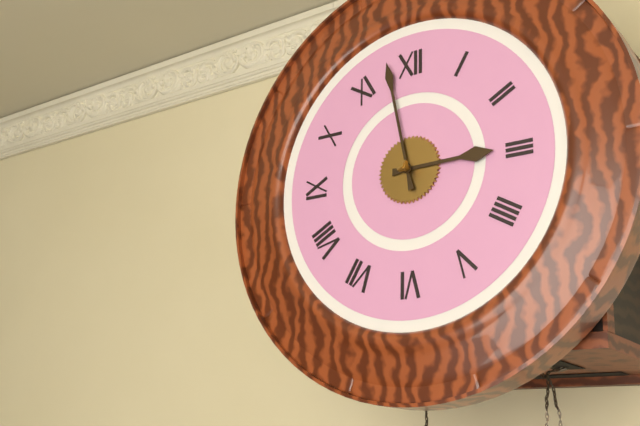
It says 2:58
